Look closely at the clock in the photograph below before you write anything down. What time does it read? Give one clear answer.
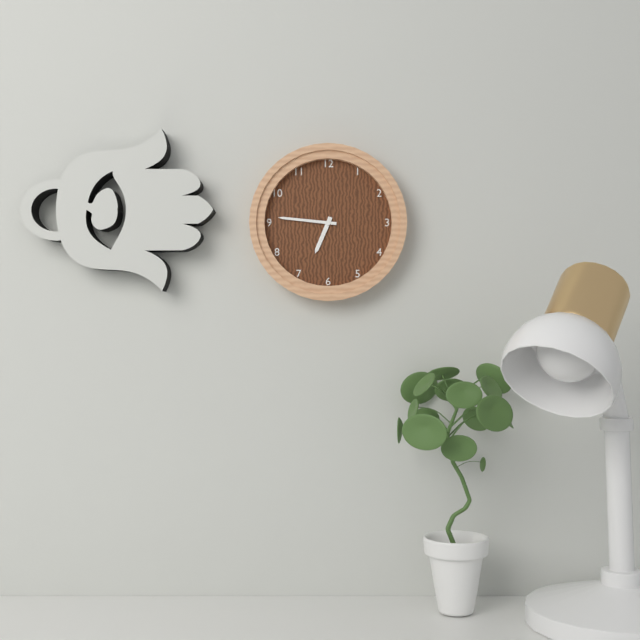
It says 6:46
